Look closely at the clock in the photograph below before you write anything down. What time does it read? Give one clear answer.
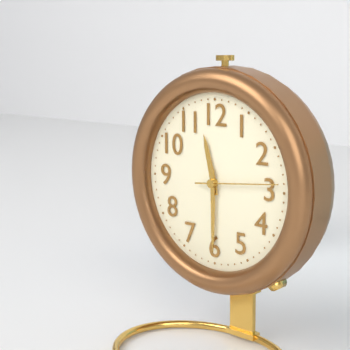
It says 11:30:14
